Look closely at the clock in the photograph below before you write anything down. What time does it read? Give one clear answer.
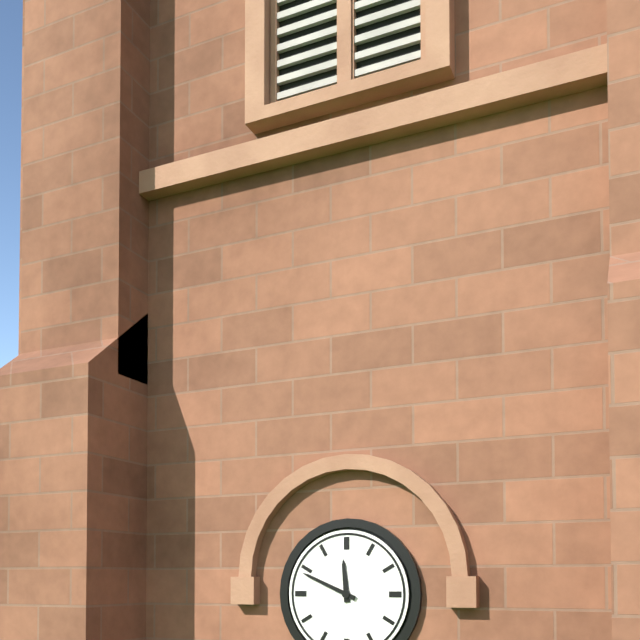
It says 11:49
